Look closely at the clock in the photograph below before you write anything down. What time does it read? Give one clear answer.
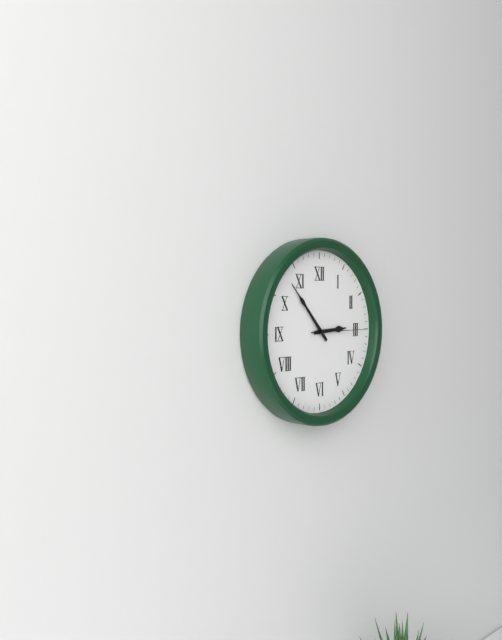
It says 2:53:15
